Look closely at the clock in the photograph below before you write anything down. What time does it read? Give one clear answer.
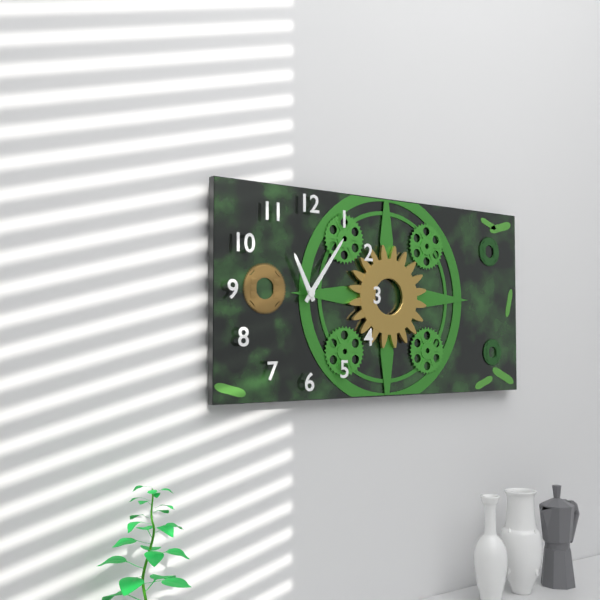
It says 11:06
